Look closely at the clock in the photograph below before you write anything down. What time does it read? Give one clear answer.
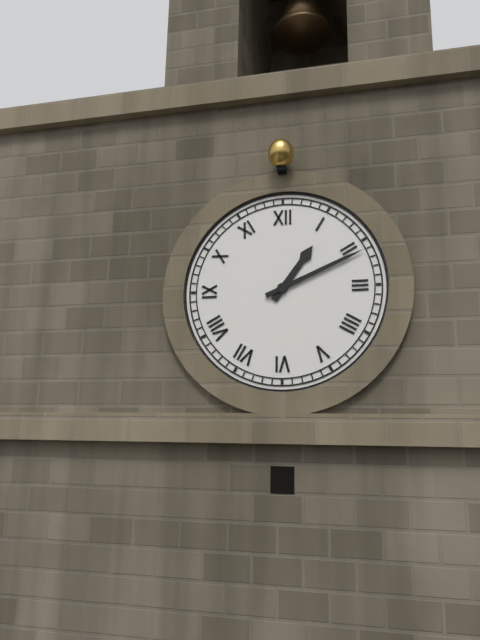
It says 1:11
